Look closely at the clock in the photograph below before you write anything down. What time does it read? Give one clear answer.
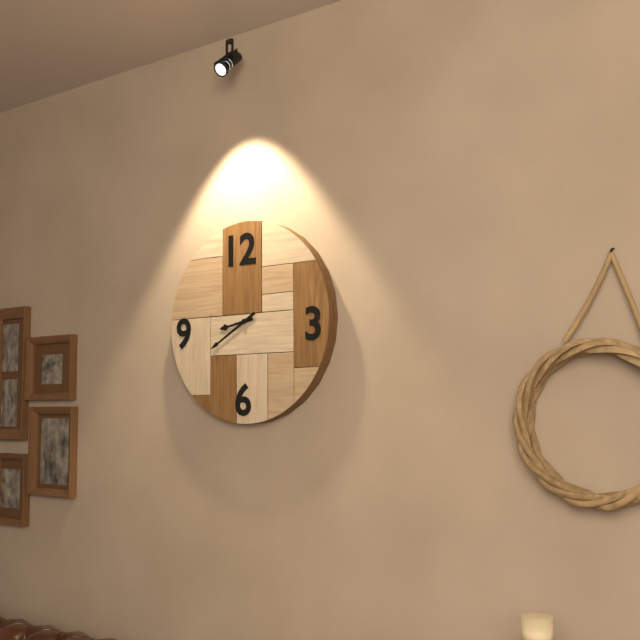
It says 8:40
